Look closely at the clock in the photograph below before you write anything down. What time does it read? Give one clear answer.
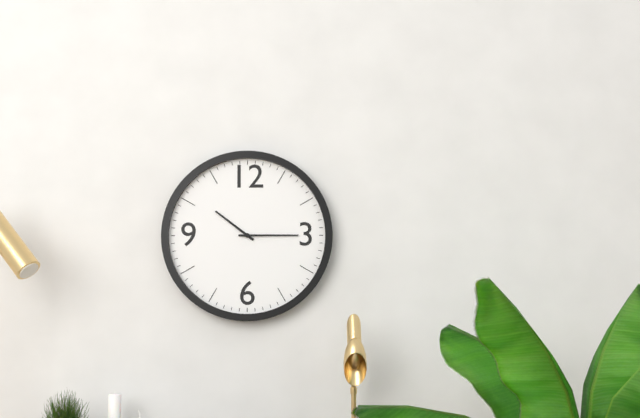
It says 10:15
